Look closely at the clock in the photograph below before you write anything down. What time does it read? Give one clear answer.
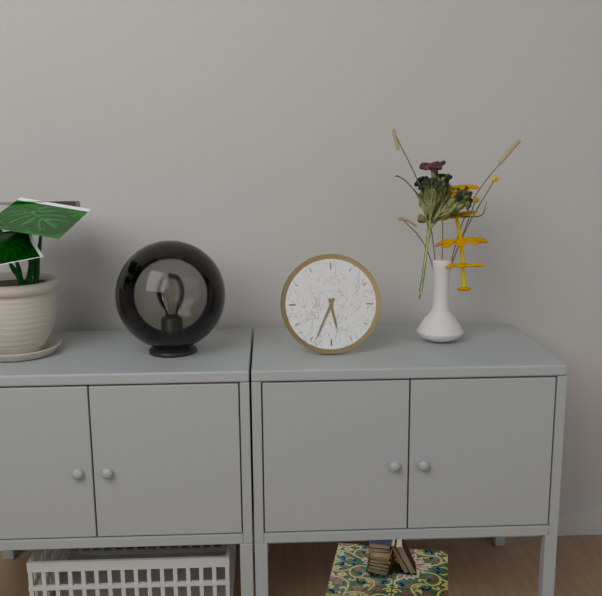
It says 5:34
